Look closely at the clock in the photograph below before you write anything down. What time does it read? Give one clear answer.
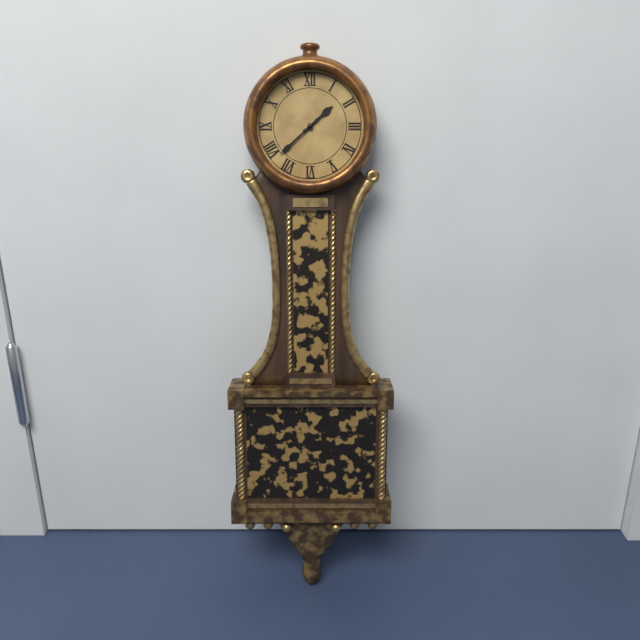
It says 1:38
